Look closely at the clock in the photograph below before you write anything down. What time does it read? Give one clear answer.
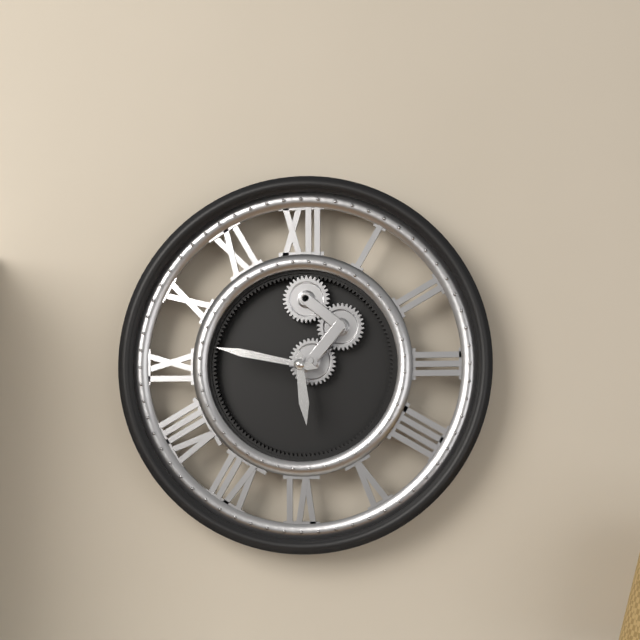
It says 5:47
